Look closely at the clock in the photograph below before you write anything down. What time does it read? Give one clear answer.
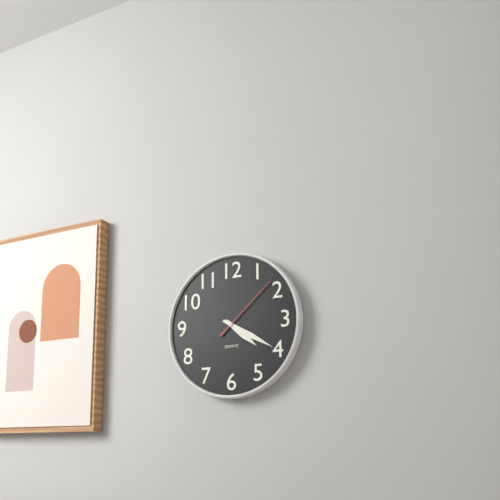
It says 4:20:08
